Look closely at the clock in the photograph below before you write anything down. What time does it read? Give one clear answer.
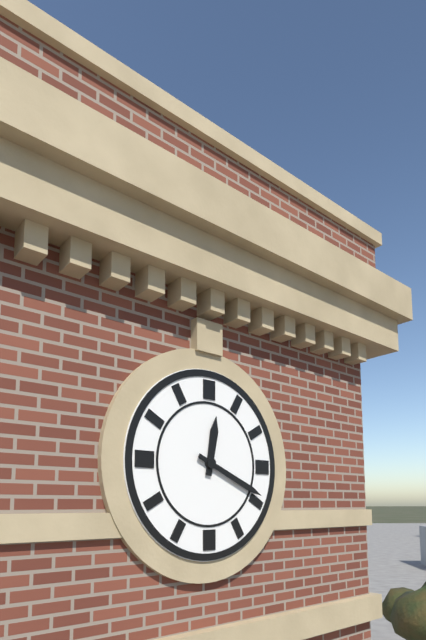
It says 12:19
